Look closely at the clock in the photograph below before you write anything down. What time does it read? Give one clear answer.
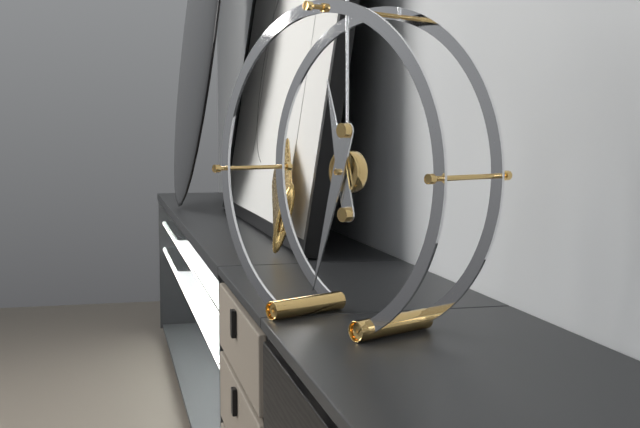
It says 11:33
